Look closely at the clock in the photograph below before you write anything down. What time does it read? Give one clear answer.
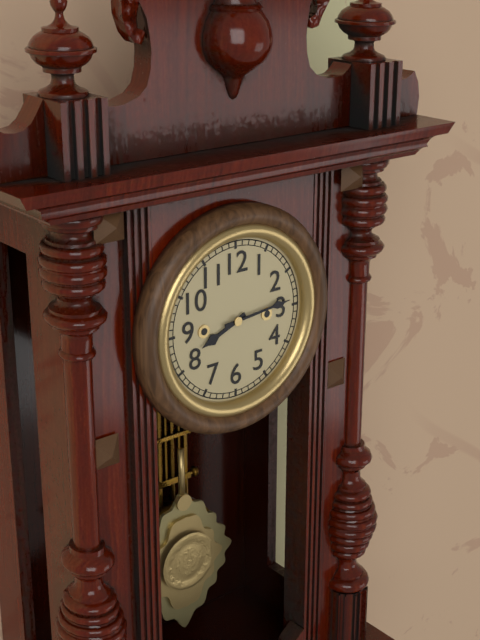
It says 8:14
